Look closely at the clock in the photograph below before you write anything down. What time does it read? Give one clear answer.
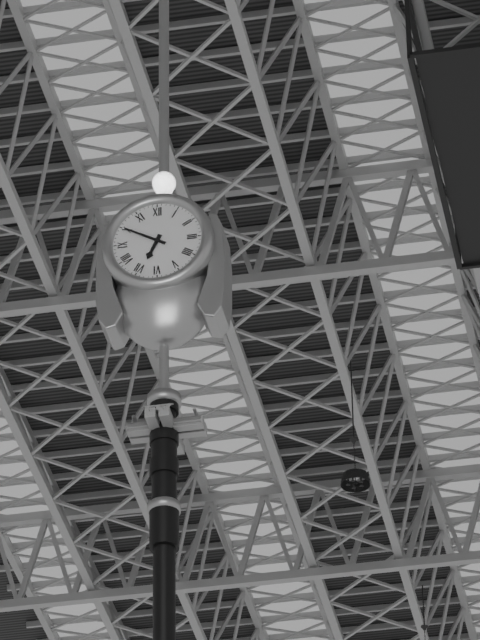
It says 6:50
